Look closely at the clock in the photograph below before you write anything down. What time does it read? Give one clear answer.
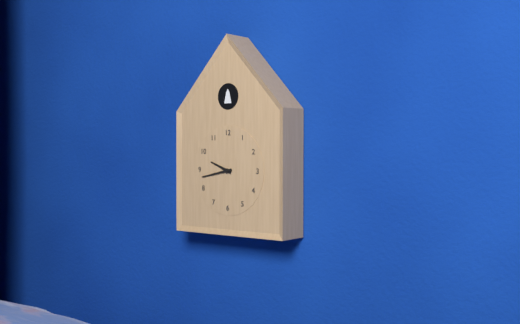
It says 9:43
